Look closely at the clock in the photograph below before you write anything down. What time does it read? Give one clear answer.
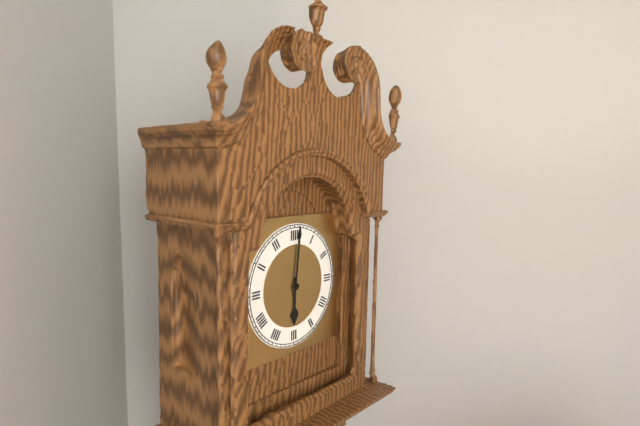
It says 6:01
